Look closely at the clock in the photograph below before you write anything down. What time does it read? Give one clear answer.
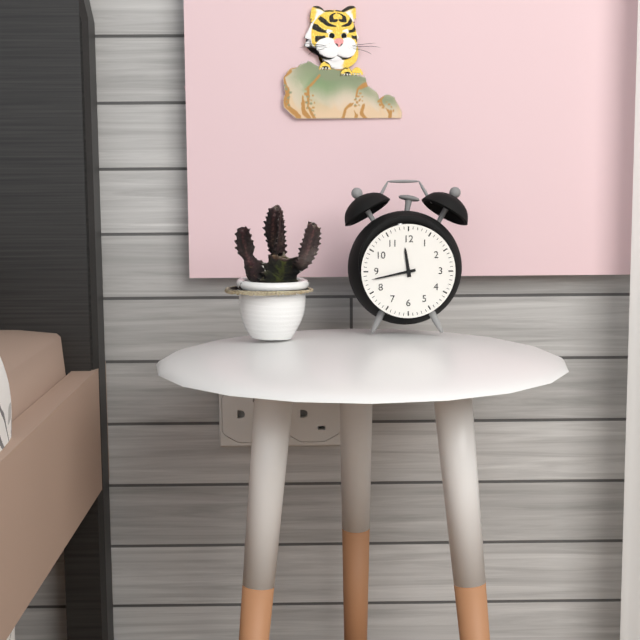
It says 11:43
